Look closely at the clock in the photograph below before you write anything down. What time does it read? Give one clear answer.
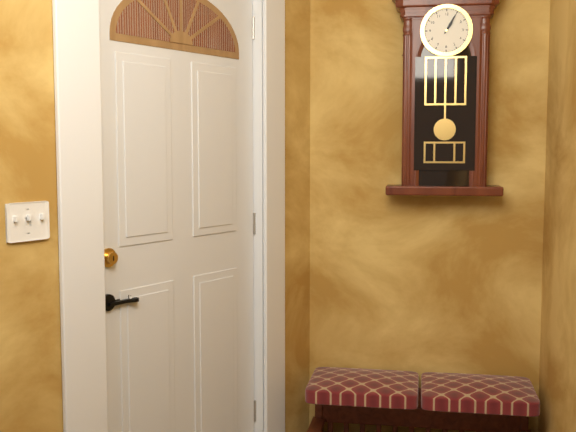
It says 1:05
